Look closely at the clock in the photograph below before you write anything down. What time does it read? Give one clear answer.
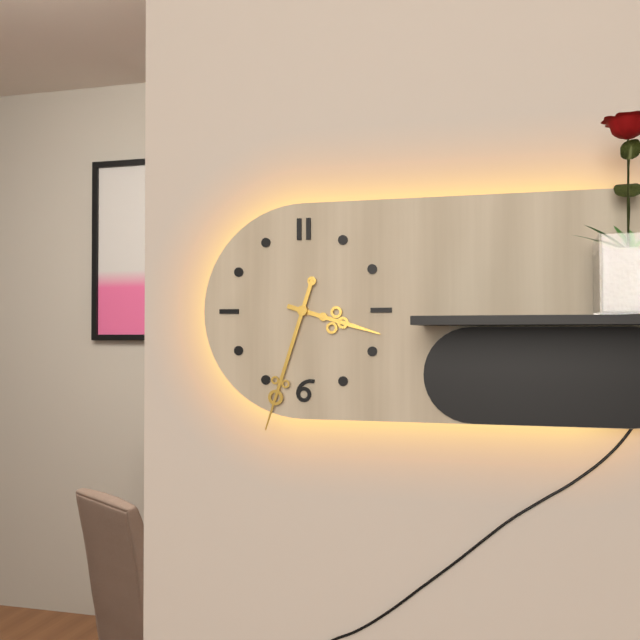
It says 3:33
